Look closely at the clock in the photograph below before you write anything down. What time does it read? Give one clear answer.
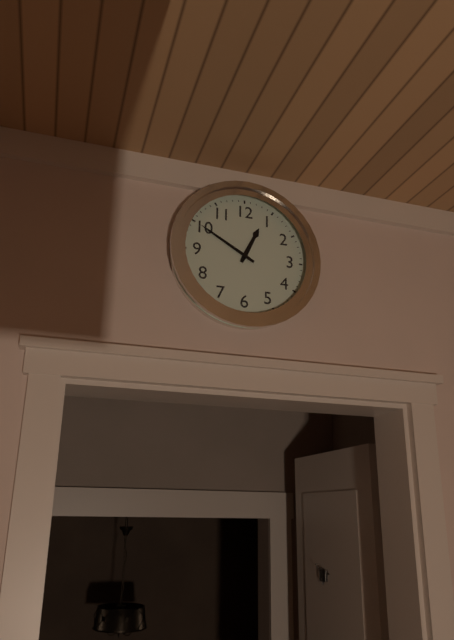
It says 12:50
